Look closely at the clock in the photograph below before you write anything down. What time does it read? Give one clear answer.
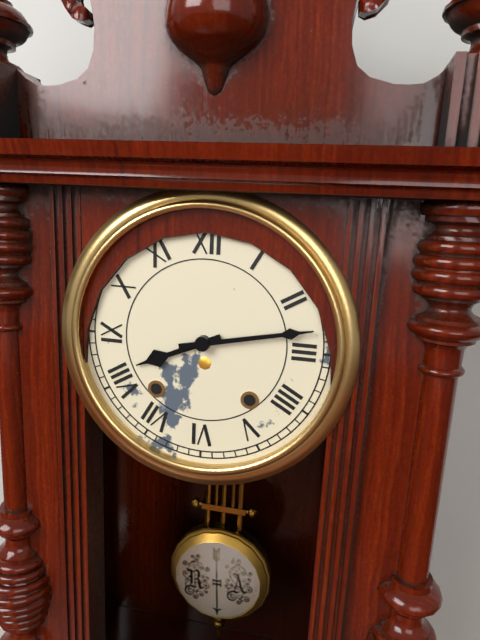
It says 8:13
